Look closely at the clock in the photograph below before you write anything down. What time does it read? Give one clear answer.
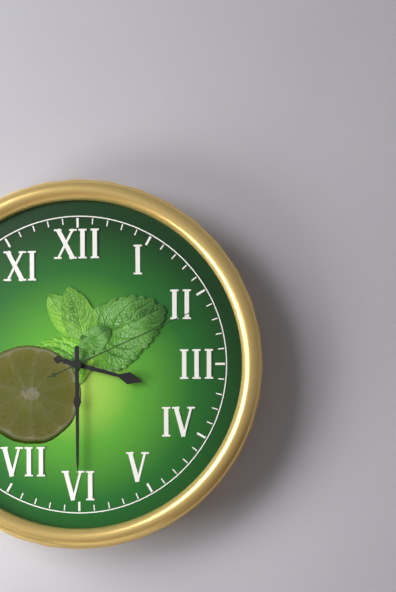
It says 3:30:11
